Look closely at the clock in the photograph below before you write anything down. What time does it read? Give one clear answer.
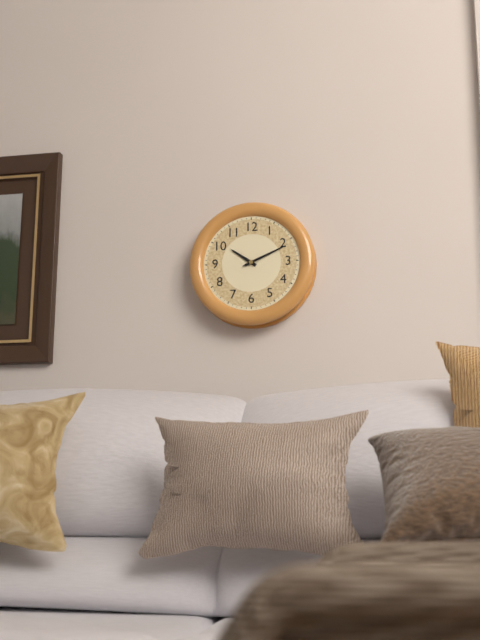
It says 10:11:11
